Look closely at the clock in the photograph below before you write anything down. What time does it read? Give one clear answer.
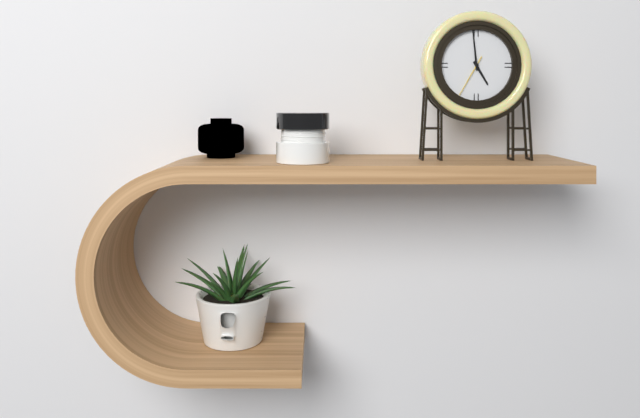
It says 4:59
